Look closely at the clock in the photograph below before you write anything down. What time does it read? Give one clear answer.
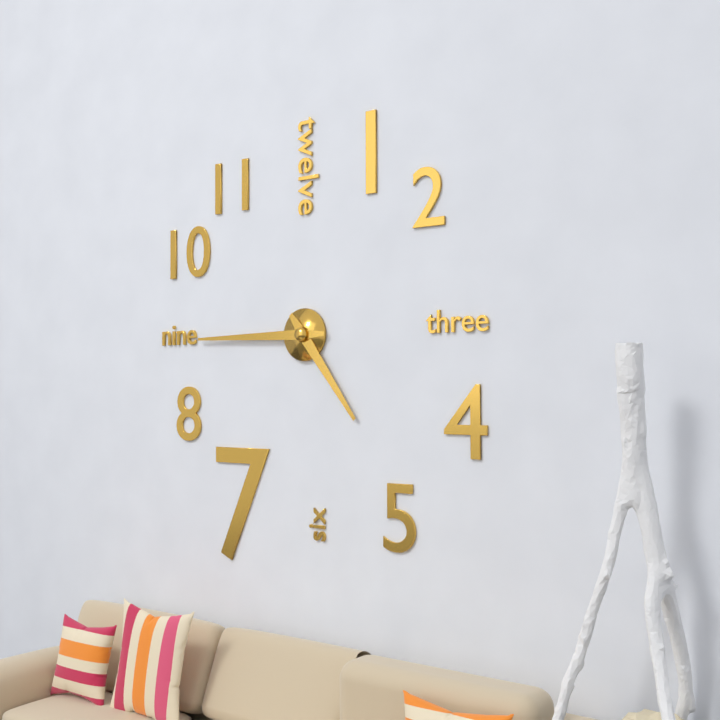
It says 4:45
